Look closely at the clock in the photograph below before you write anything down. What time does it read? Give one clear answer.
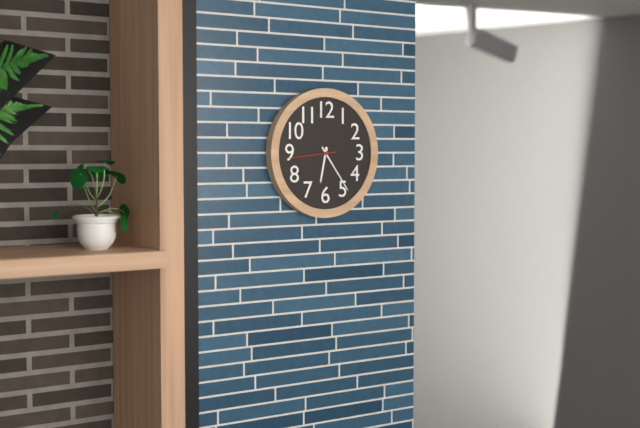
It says 6:24:44
